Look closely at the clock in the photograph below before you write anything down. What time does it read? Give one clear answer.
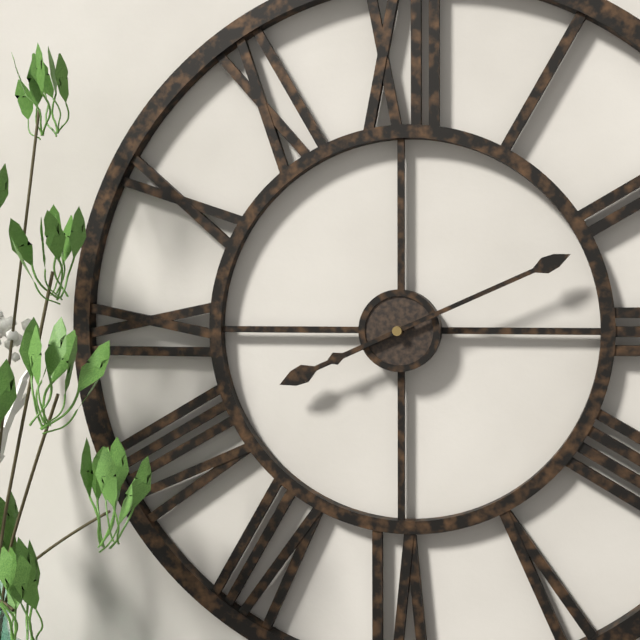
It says 8:11
